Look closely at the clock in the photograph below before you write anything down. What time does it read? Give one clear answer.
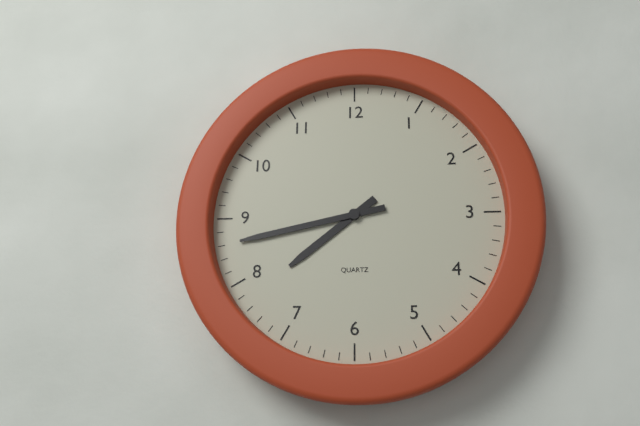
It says 7:43
